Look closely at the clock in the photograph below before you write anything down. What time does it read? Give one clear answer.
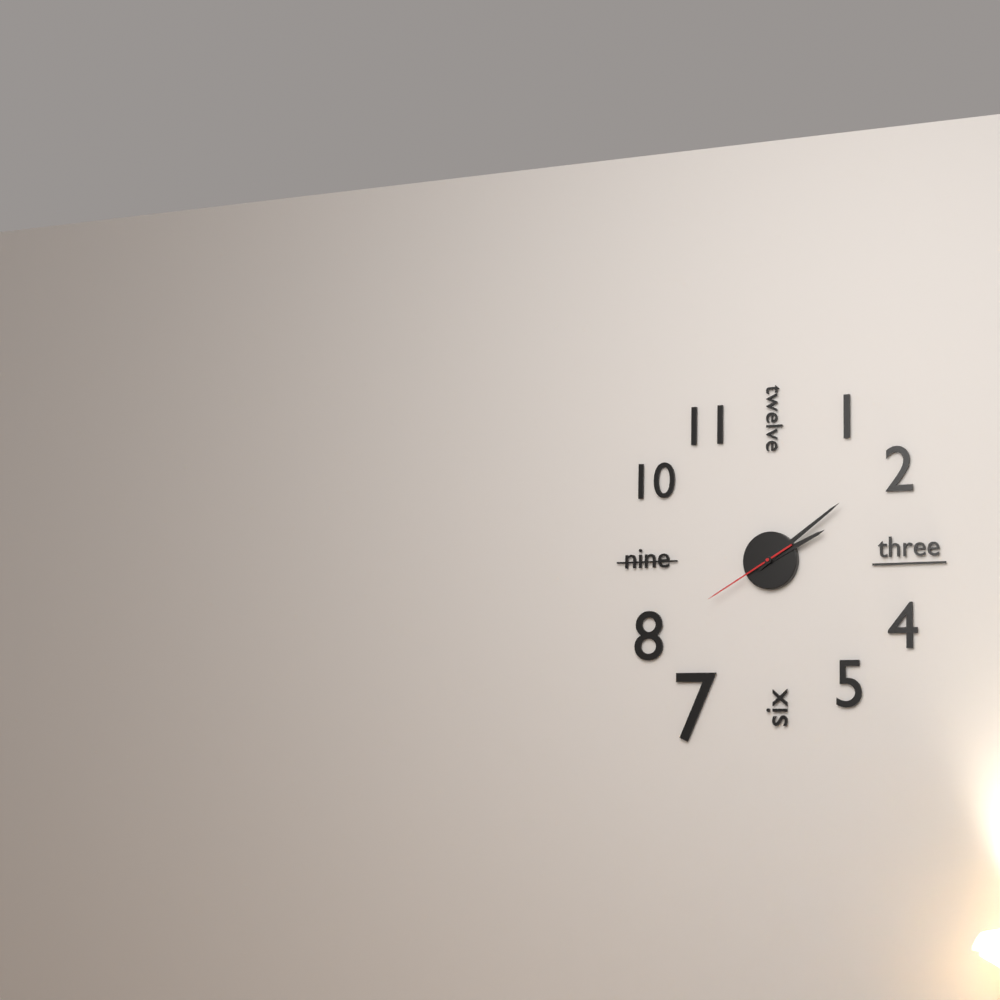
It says 2:09:40
